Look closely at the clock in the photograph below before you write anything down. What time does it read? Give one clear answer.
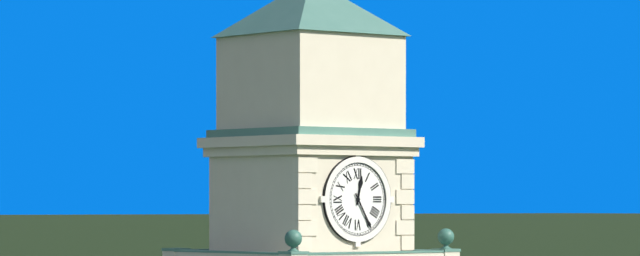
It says 12:25
